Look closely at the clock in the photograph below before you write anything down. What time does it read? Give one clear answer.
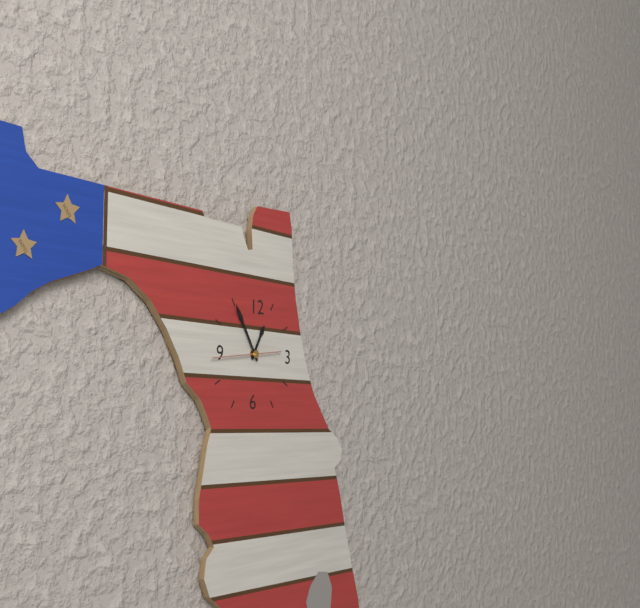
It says 12:55:44
